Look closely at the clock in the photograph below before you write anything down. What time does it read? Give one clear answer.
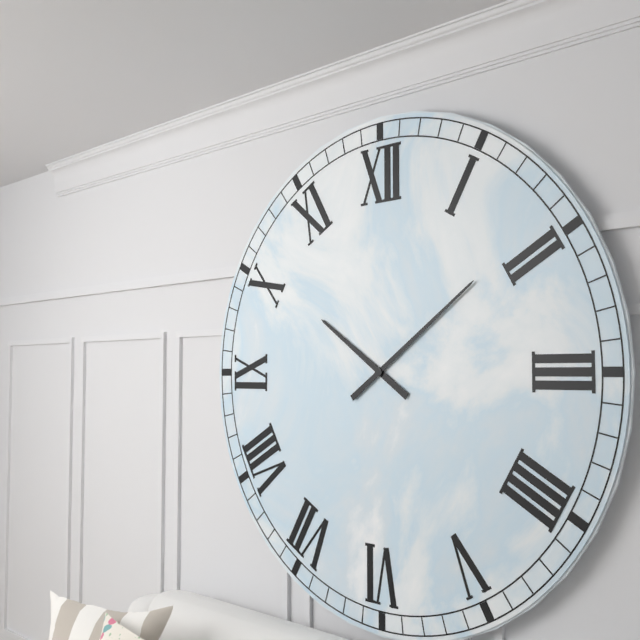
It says 10:09
